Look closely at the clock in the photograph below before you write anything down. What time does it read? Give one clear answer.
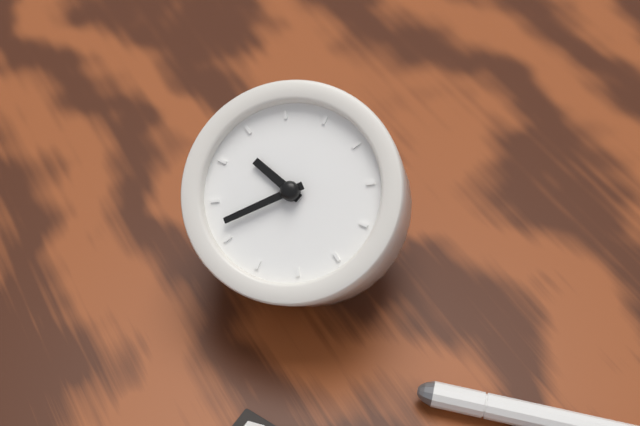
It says 8:32
